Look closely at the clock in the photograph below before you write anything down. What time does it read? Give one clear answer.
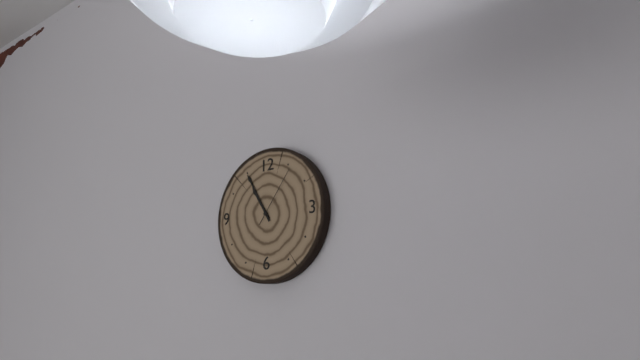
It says 10:55:06
